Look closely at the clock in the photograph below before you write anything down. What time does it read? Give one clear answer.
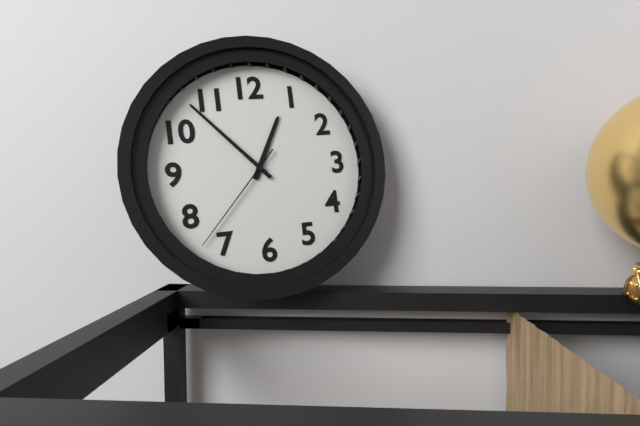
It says 12:53:37
